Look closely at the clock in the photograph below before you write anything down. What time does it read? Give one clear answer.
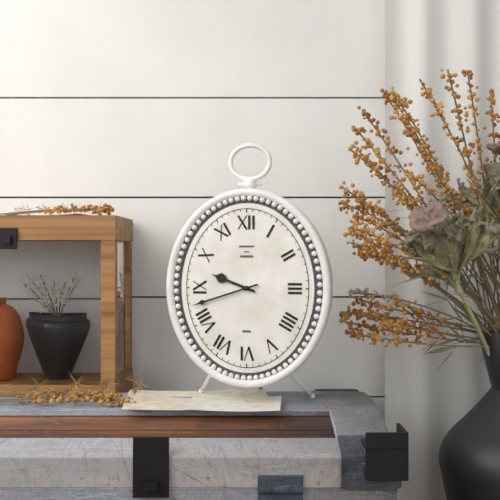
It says 9:42
